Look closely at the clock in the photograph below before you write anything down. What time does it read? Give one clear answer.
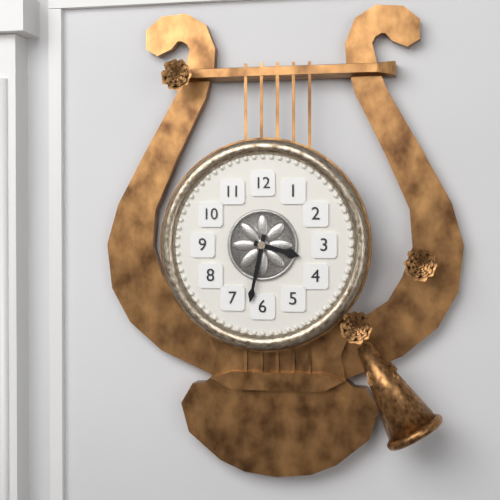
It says 3:32
